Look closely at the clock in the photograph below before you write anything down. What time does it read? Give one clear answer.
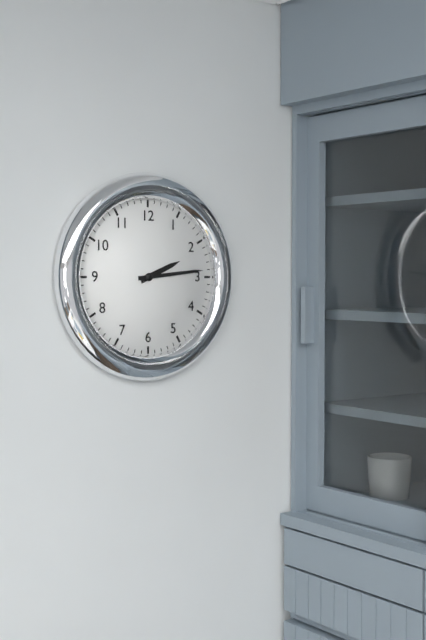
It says 2:14
